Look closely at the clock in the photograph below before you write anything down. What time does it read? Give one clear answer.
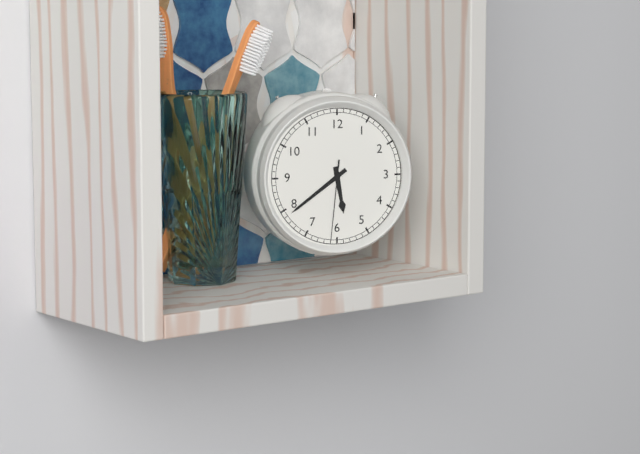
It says 5:39:31
